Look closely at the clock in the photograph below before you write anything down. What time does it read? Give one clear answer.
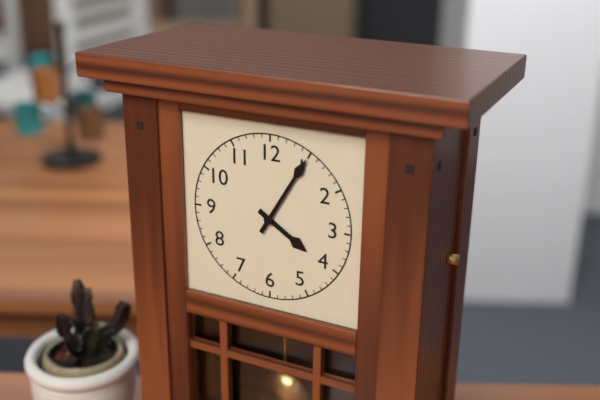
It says 4:05
